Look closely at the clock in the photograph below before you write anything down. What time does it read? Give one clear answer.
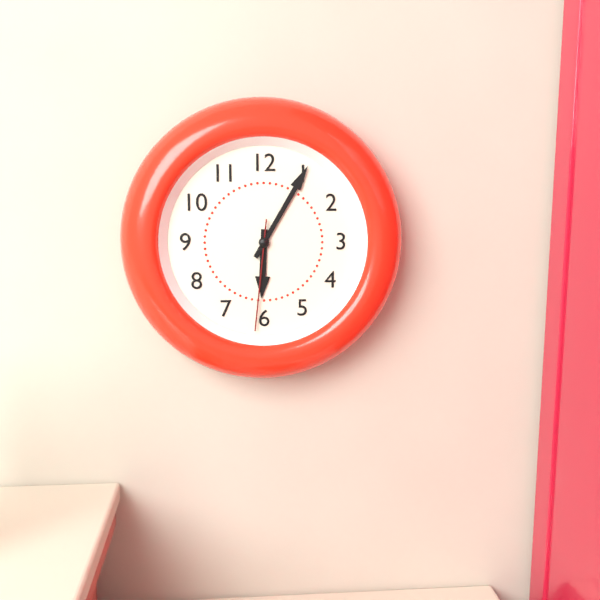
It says 6:05:31
